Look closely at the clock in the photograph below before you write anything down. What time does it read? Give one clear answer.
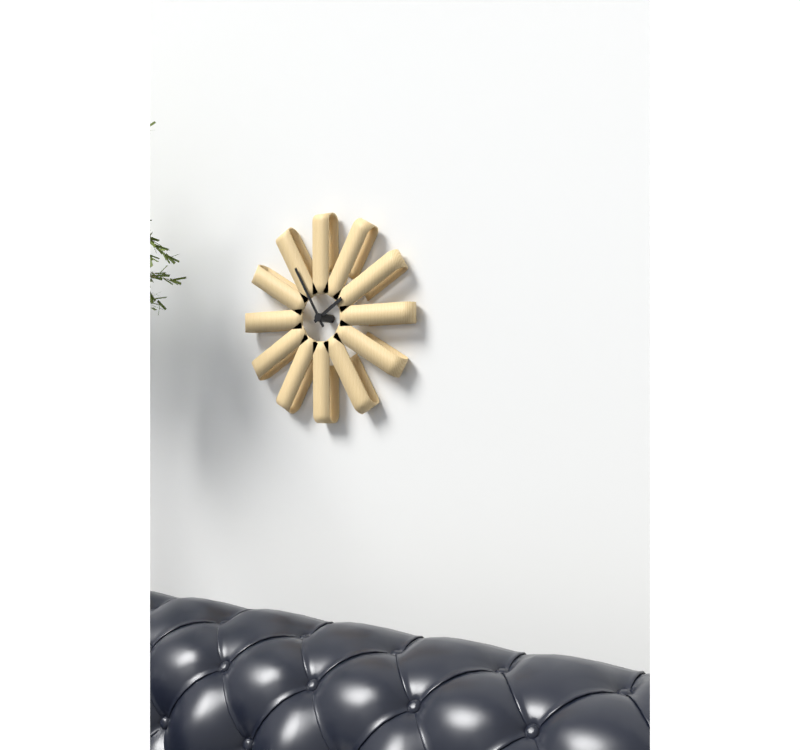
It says 1:55
